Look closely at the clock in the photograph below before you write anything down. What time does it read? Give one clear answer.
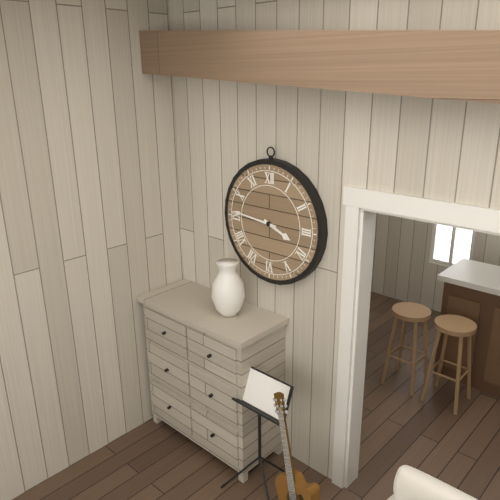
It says 3:46
